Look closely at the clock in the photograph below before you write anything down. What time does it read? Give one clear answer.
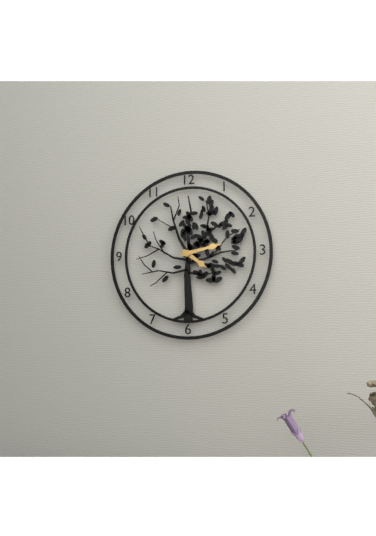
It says 4:13
